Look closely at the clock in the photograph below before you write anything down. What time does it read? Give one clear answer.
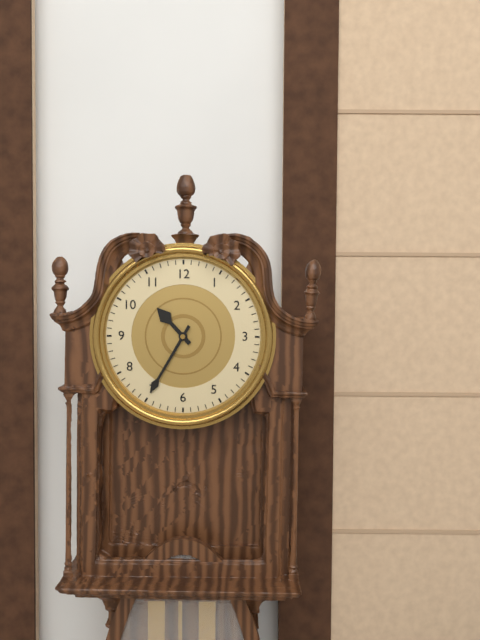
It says 10:35
